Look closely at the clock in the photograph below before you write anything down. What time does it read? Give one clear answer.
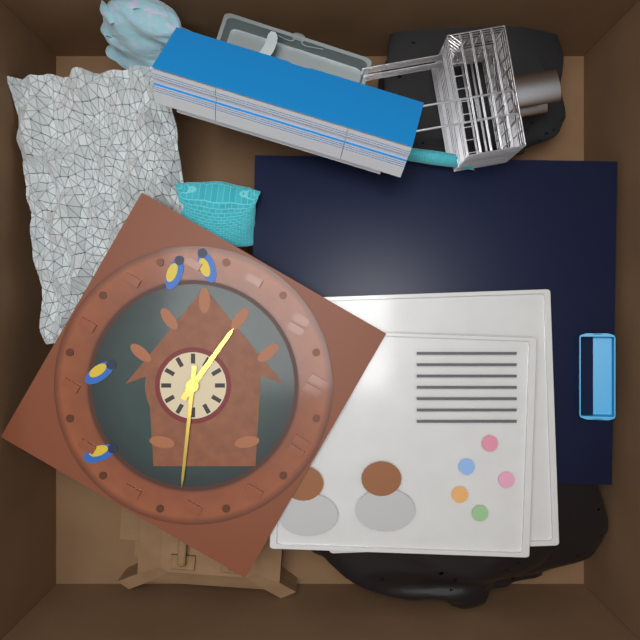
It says 9:11
